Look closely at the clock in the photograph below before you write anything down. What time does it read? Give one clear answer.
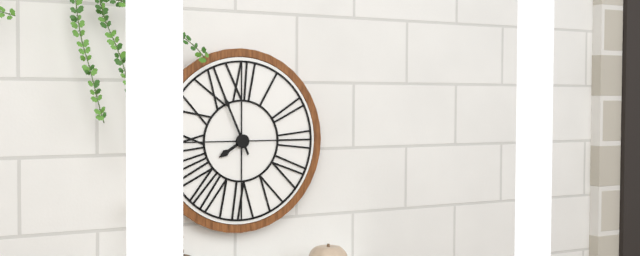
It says 7:56
